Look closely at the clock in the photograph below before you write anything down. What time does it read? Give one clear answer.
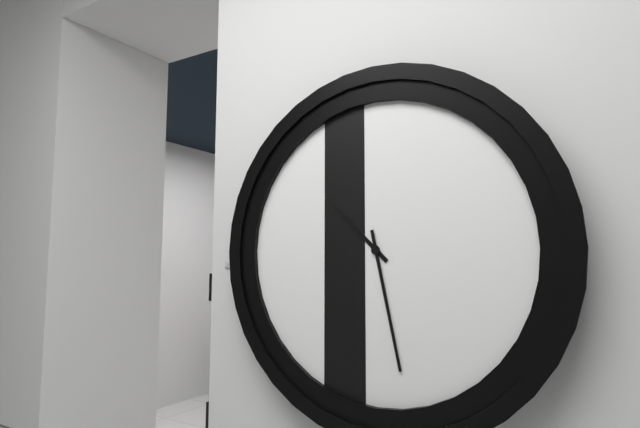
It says 10:28
